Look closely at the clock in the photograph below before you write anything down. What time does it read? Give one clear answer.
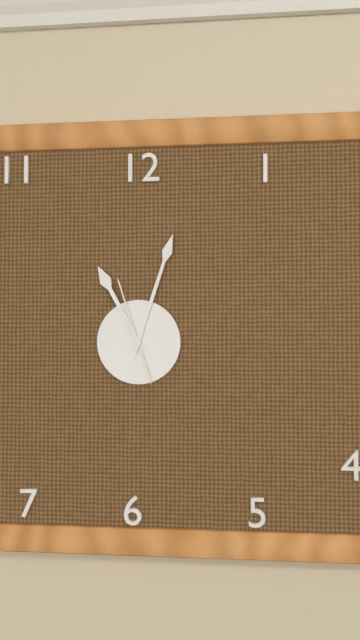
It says 11:03:57
